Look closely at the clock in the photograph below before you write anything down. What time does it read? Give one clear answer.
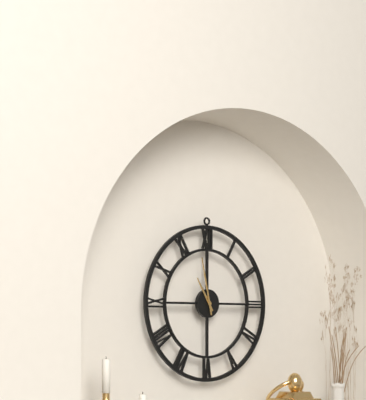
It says 10:58
